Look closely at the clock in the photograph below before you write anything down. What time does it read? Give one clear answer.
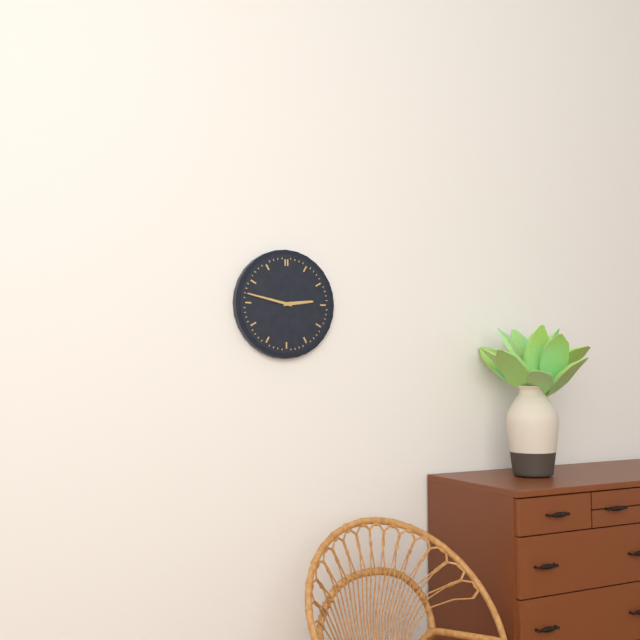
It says 2:47
